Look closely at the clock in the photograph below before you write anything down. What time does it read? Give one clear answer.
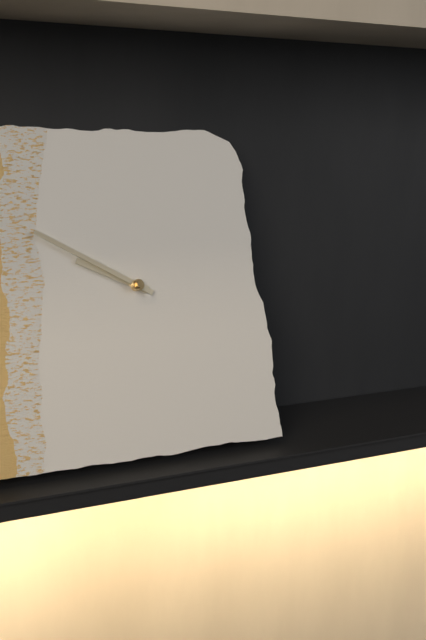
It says 9:50
